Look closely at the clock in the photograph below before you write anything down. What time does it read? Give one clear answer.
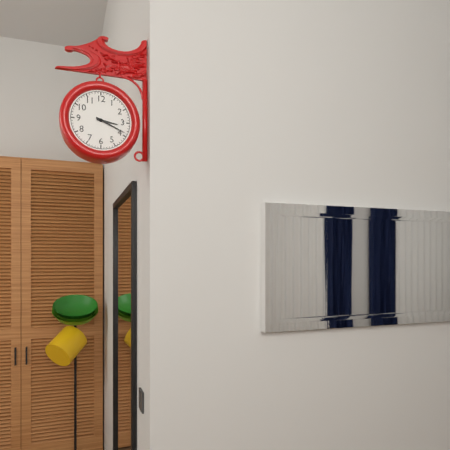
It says 3:19
